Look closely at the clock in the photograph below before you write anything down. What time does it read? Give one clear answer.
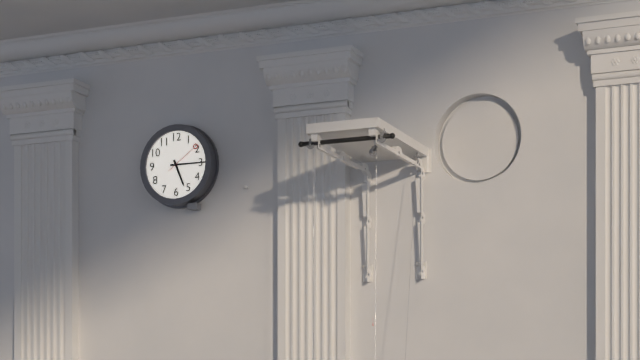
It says 5:15
